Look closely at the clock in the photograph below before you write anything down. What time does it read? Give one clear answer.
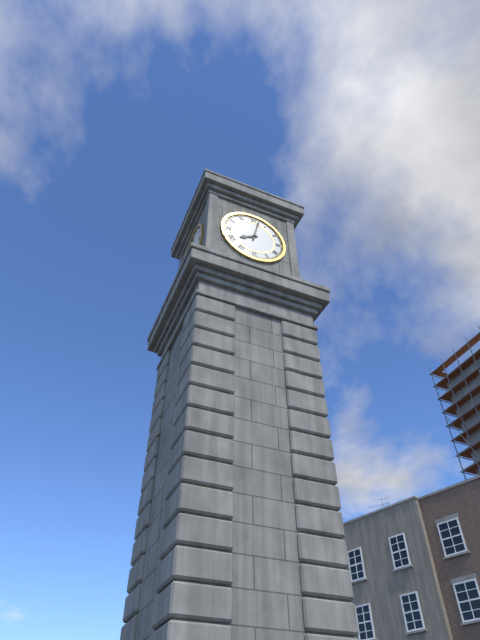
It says 8:02
